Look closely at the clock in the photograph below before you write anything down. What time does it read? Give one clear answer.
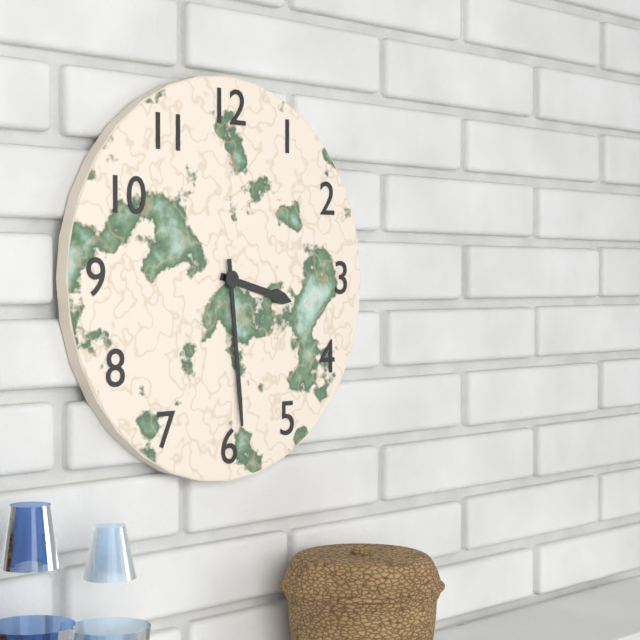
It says 3:29
